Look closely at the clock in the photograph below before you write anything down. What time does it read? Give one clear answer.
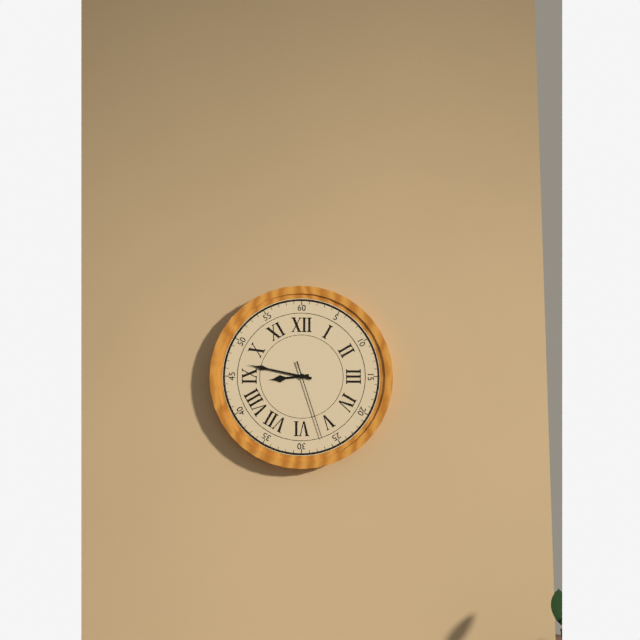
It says 8:47:27
